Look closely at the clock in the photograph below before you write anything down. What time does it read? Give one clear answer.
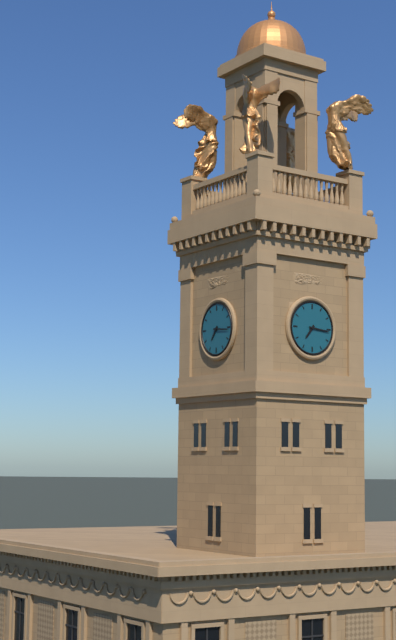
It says 7:16
